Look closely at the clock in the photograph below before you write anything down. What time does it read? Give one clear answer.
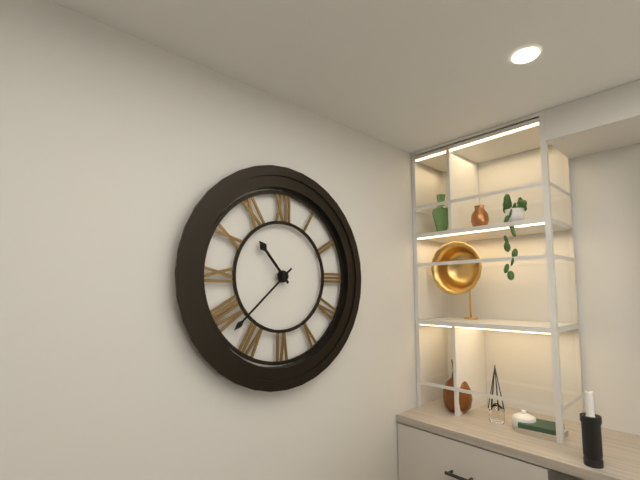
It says 10:38
